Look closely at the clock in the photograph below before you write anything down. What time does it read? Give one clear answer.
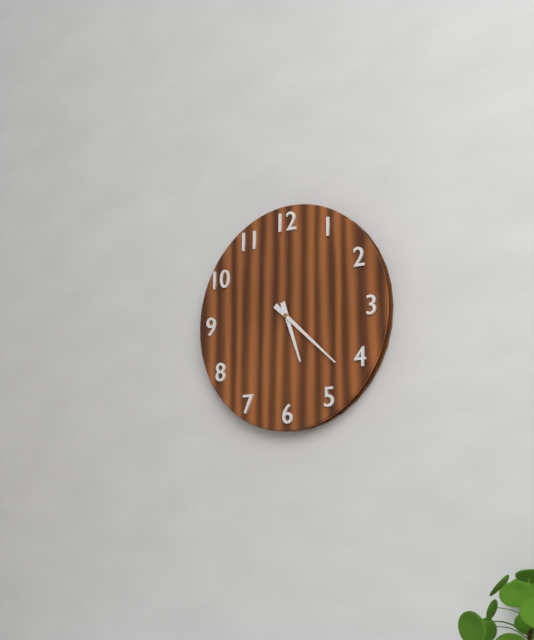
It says 5:22
